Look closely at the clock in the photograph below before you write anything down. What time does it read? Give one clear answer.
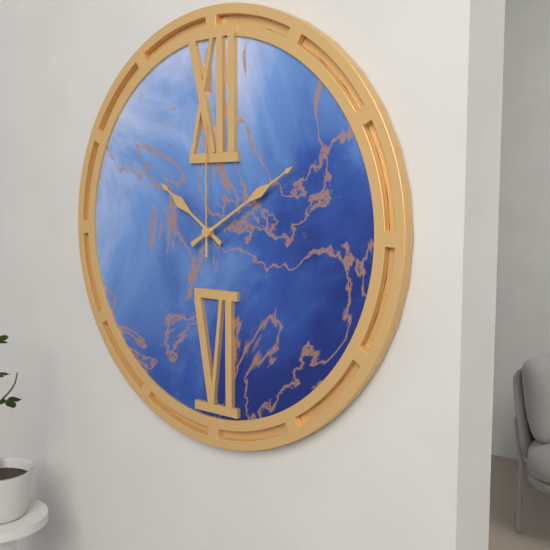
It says 10:10:00
